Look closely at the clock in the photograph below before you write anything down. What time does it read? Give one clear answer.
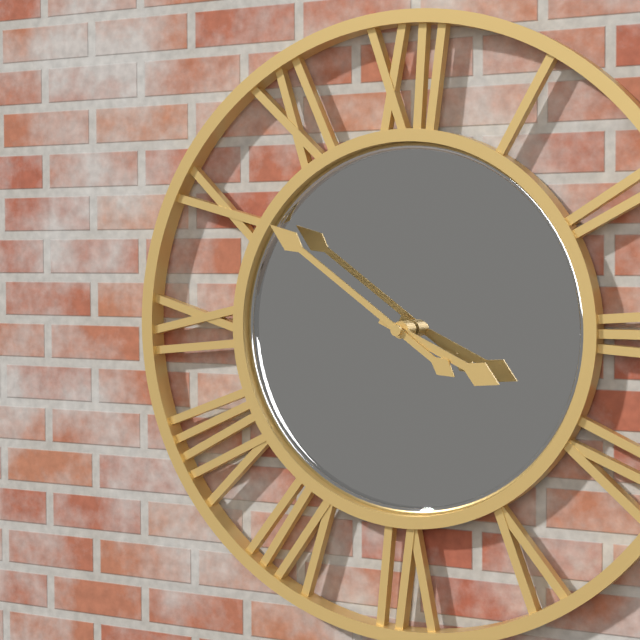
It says 3:51
